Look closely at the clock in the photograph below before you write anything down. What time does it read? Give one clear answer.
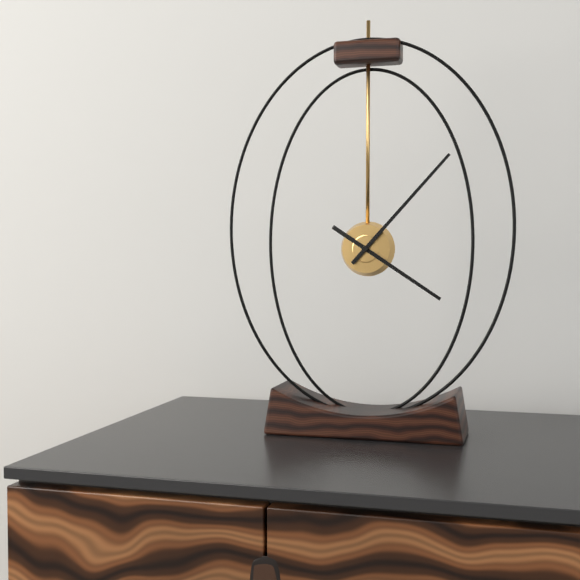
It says 4:07
